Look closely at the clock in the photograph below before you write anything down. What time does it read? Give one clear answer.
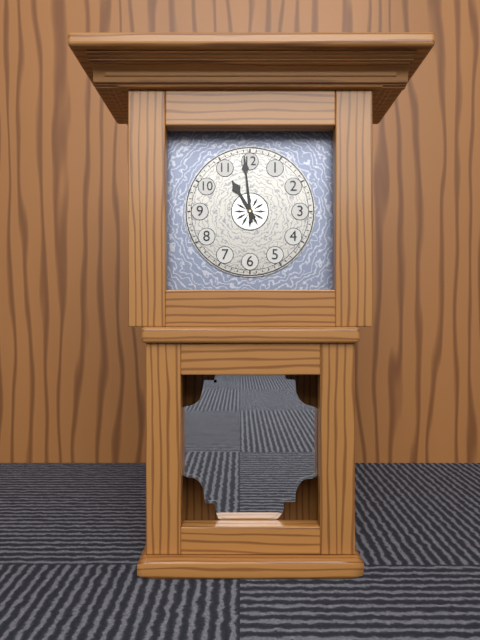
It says 10:59
